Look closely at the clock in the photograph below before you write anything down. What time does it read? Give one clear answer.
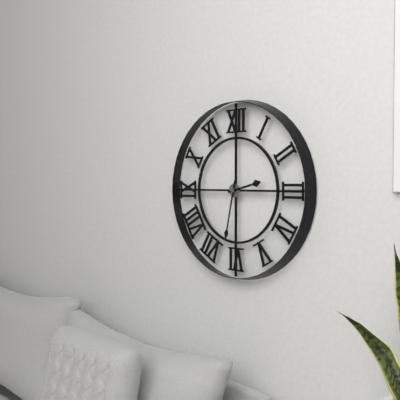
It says 2:32
